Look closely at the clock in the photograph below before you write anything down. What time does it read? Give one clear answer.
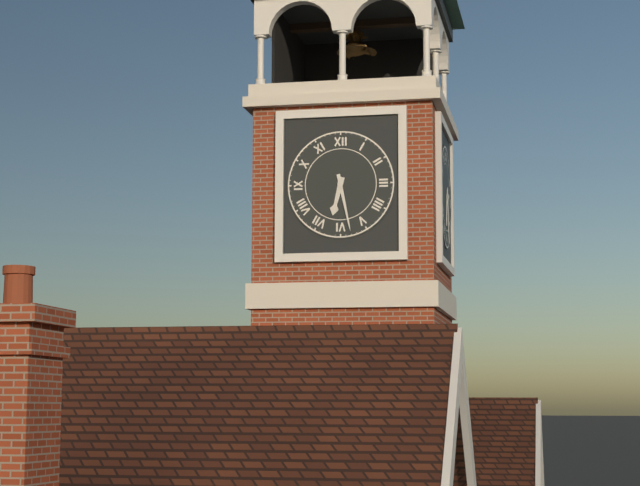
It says 6:28
